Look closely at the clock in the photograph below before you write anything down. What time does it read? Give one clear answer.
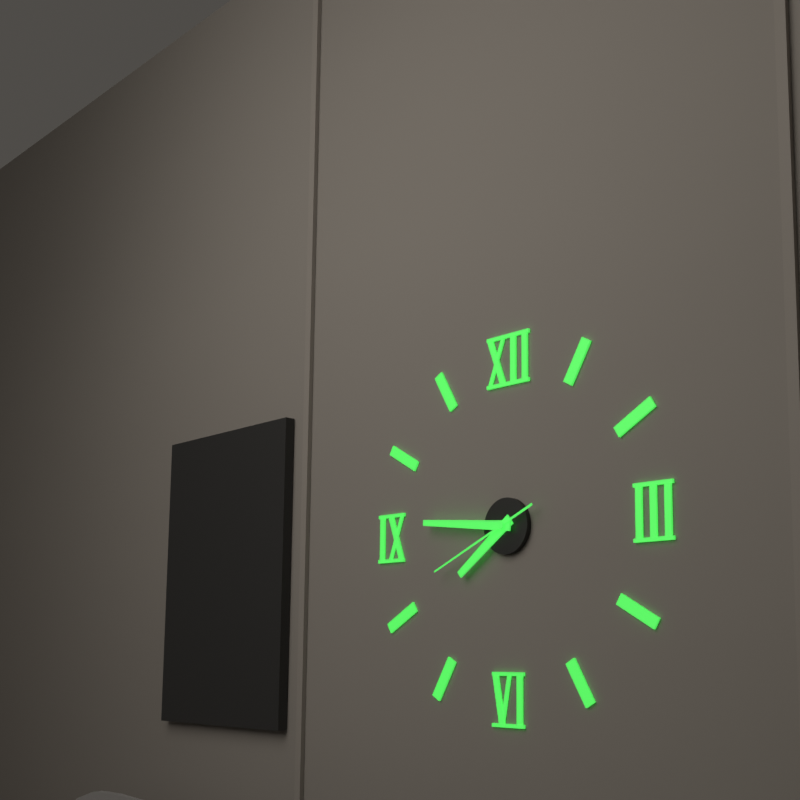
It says 7:46:41
